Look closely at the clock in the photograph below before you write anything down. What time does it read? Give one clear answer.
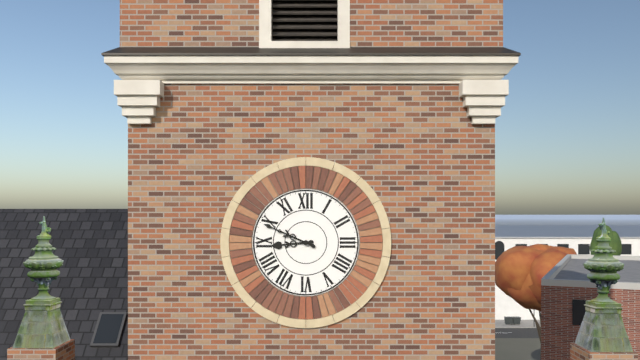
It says 8:49
